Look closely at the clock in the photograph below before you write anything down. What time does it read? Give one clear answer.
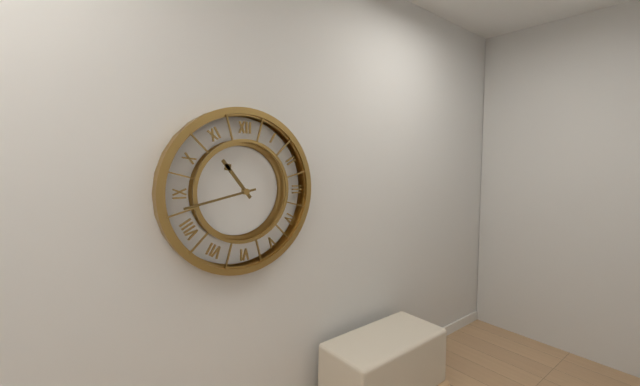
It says 10:43
